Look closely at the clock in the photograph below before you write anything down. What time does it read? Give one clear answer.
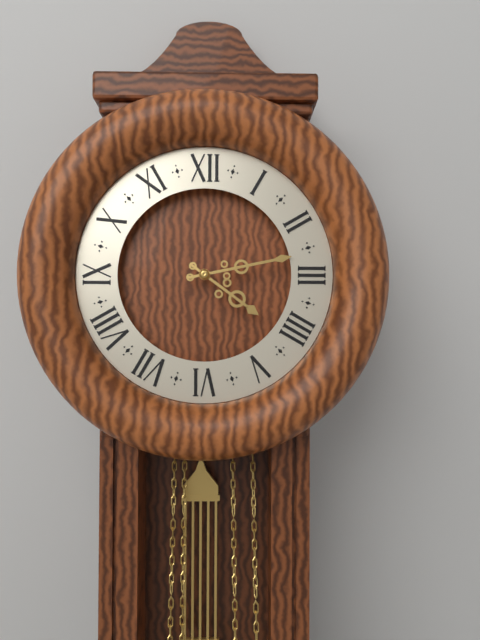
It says 4:13
